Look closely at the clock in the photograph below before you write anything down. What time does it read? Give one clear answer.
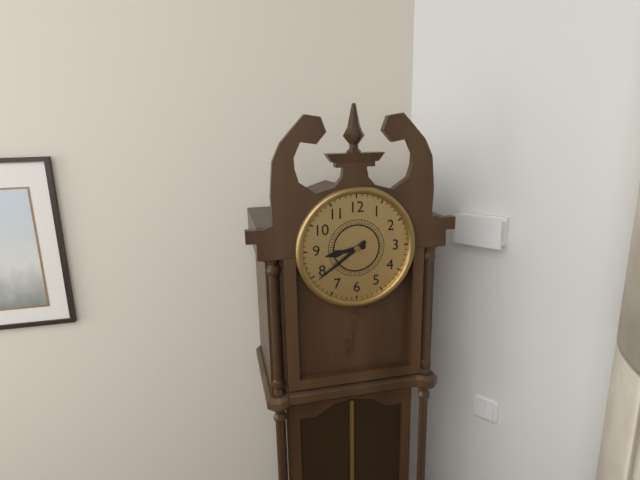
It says 8:39
